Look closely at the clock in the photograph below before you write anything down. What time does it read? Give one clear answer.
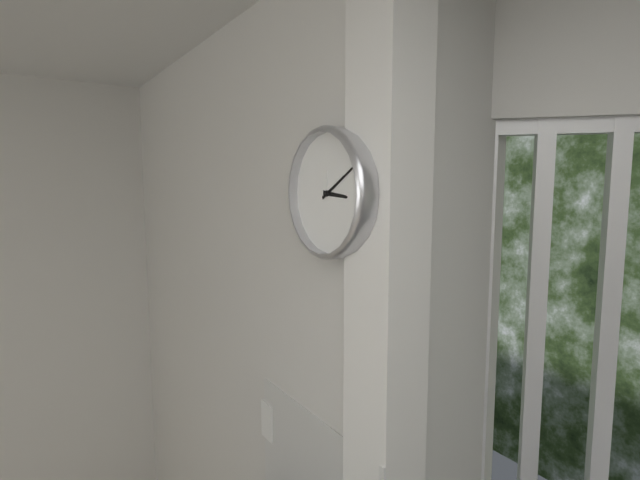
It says 3:10
